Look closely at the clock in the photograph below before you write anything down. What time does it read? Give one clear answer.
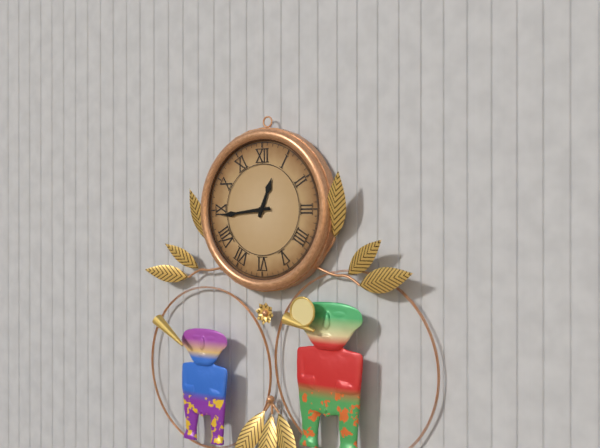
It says 12:44
